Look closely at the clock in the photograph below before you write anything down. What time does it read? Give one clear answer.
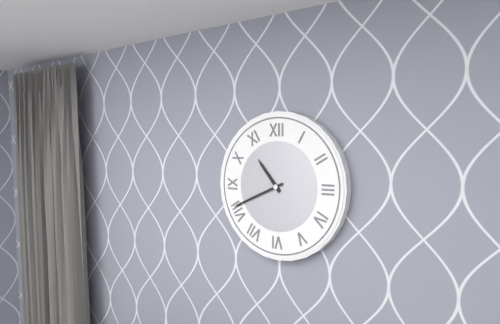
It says 10:41
